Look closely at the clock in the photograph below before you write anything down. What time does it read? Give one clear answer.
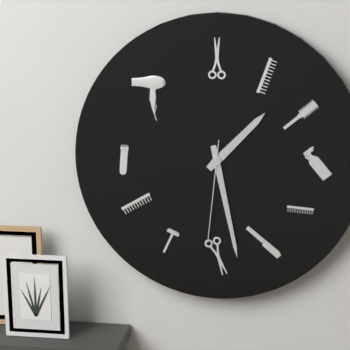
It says 1:28:31
